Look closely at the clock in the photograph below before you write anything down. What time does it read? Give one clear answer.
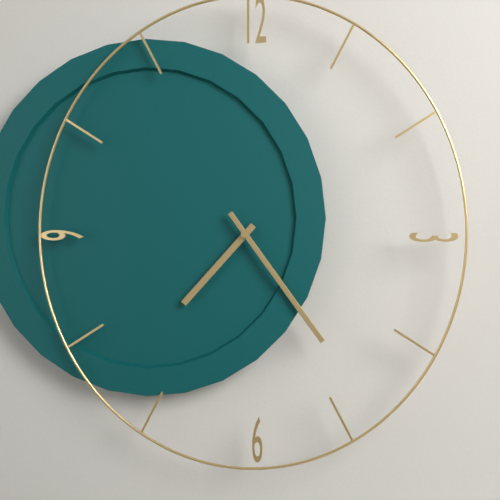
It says 7:24
